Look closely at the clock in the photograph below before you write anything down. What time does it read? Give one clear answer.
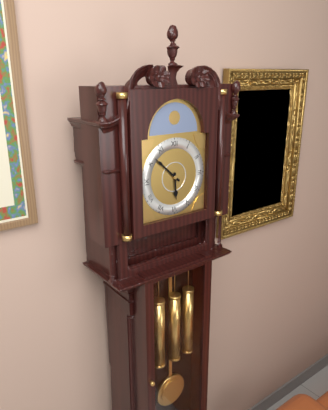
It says 5:52
